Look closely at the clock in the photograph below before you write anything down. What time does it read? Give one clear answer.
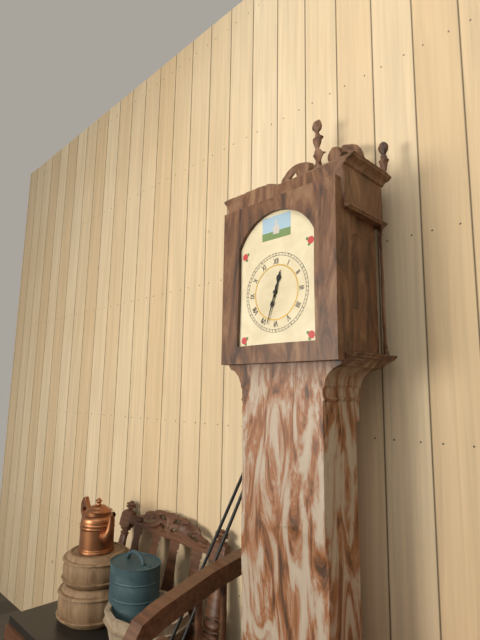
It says 12:33
